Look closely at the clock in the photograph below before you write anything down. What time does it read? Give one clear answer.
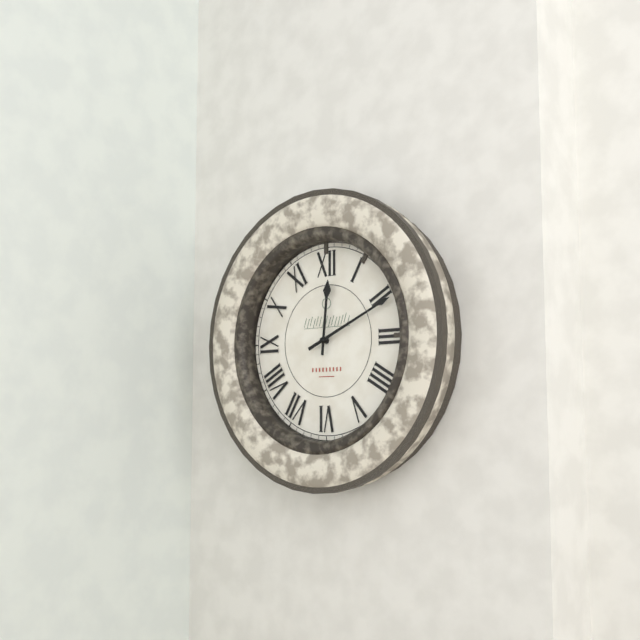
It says 12:11
